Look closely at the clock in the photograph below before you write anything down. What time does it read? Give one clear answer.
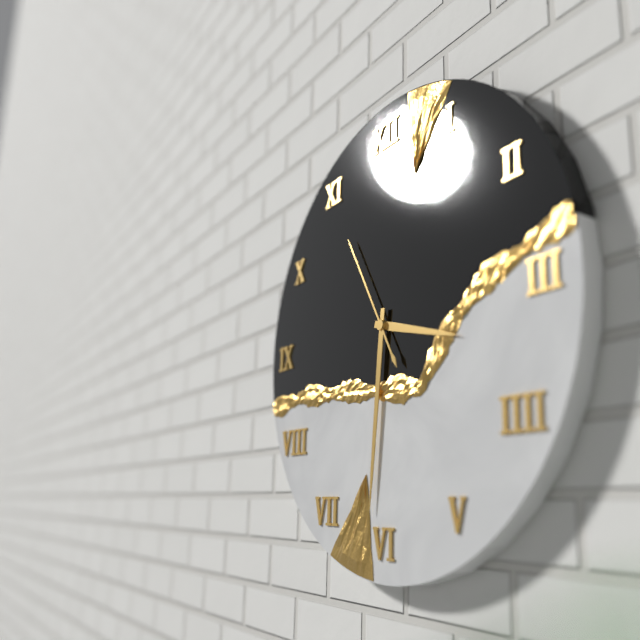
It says 3:31:55
